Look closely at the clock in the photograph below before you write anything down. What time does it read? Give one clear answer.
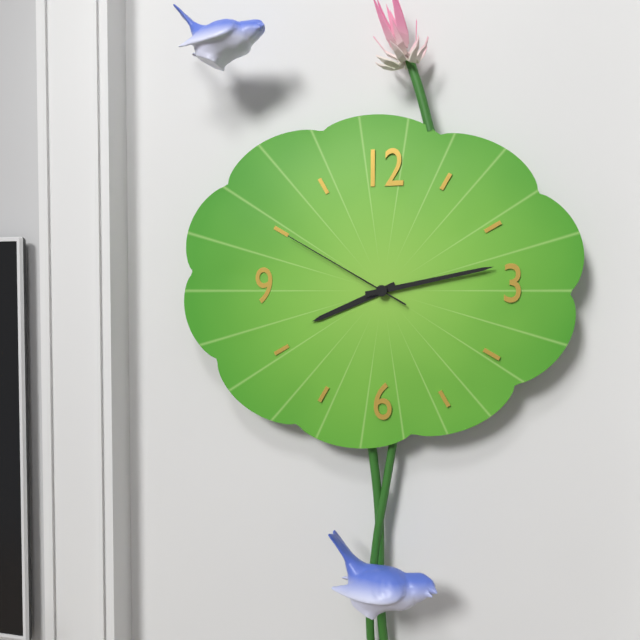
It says 8:13:50
